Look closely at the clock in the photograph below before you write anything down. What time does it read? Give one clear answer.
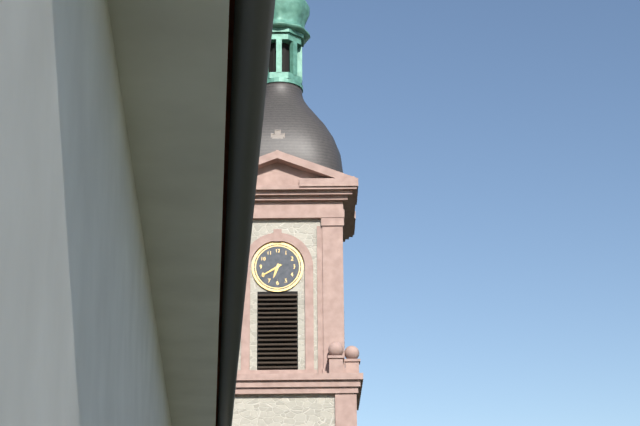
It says 6:40
